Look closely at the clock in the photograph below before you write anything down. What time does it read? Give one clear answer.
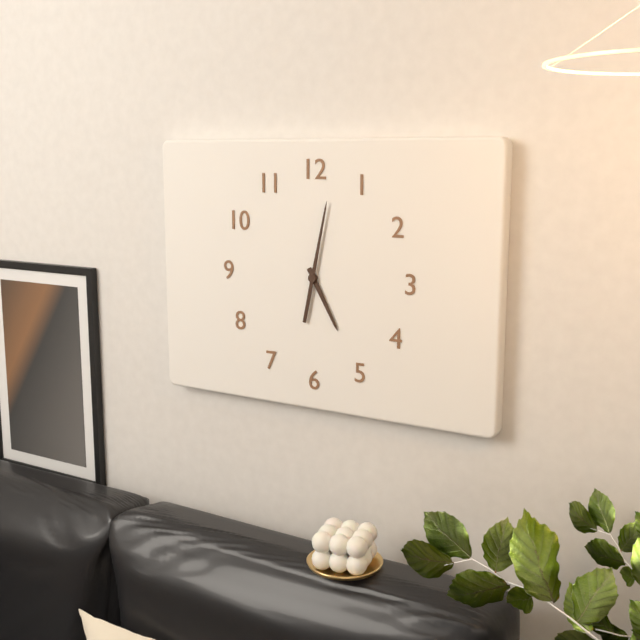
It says 5:02
